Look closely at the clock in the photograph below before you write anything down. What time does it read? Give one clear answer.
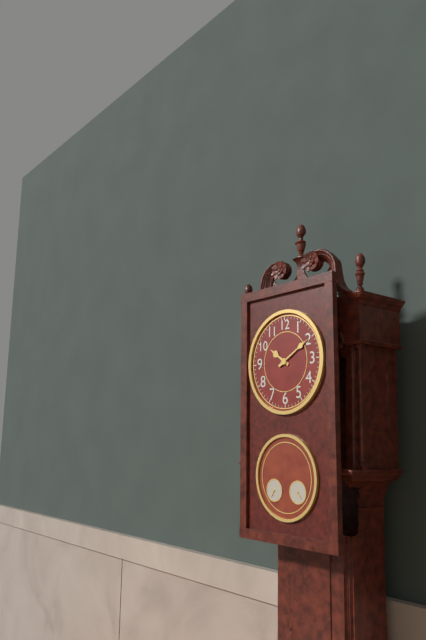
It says 10:10
